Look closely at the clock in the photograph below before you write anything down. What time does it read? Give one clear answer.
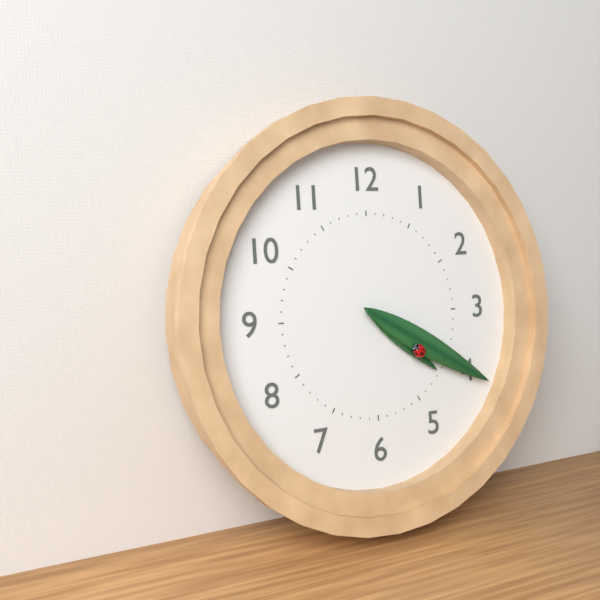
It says 4:20
